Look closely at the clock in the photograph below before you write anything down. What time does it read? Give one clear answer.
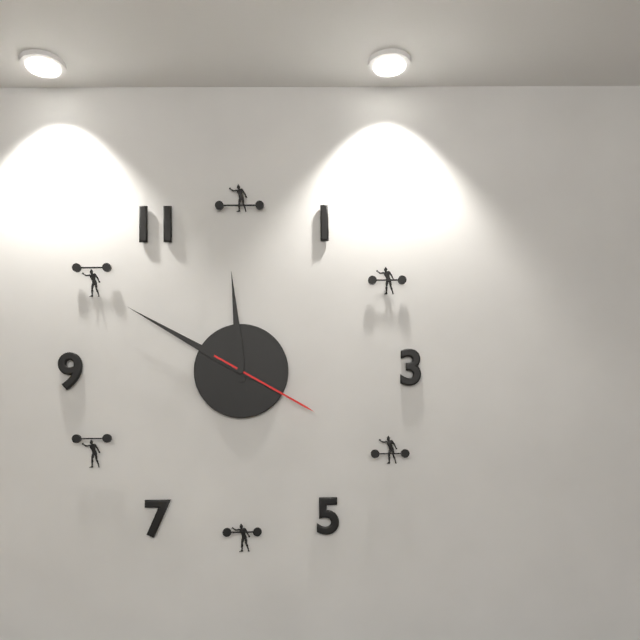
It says 11:50:20
